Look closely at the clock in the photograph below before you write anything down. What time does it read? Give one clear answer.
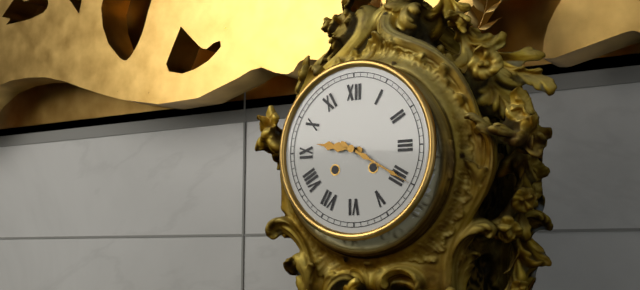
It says 9:20
